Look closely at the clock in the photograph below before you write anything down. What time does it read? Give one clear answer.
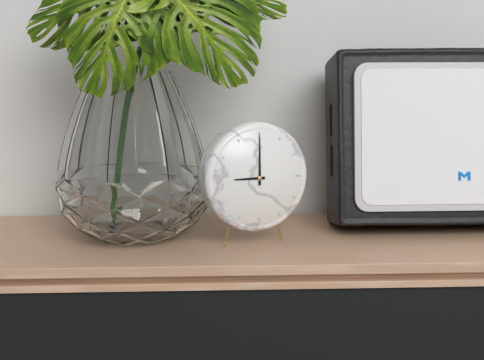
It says 9:00
